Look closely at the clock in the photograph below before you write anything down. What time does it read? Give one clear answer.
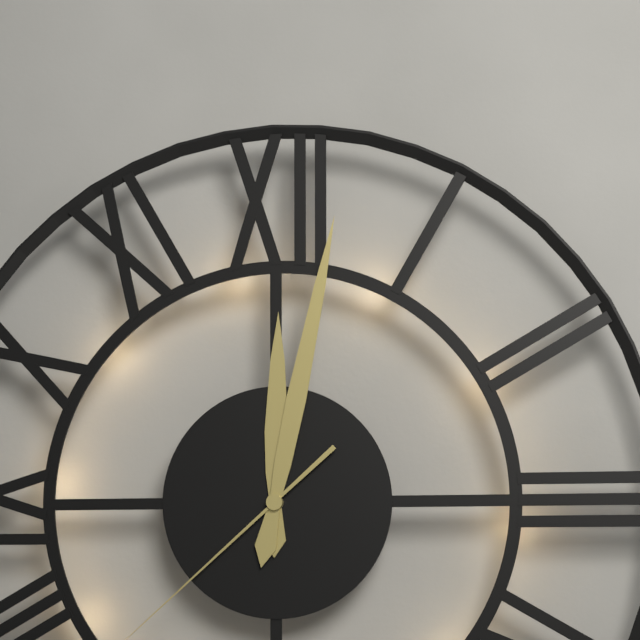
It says 12:02
